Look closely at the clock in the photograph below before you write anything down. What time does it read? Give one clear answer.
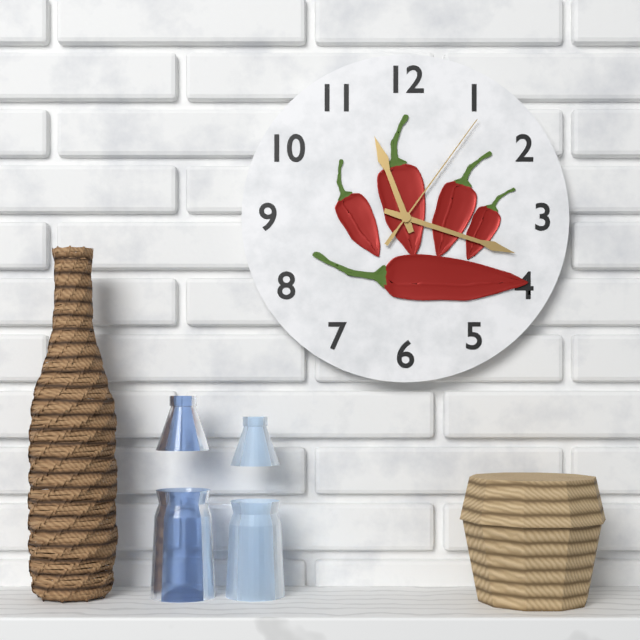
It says 11:18:06
